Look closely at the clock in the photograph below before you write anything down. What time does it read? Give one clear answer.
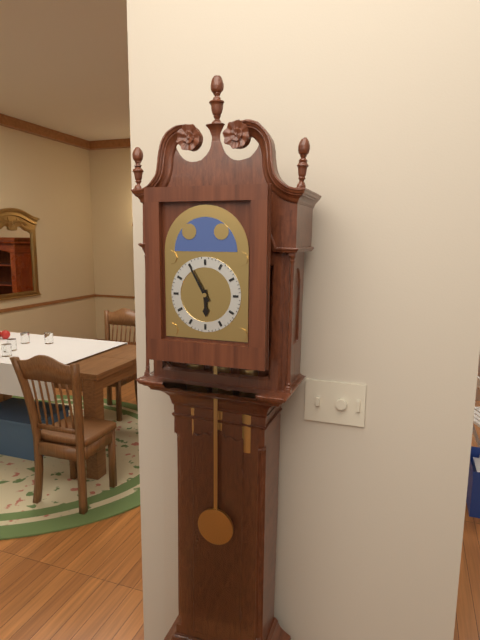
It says 5:55
